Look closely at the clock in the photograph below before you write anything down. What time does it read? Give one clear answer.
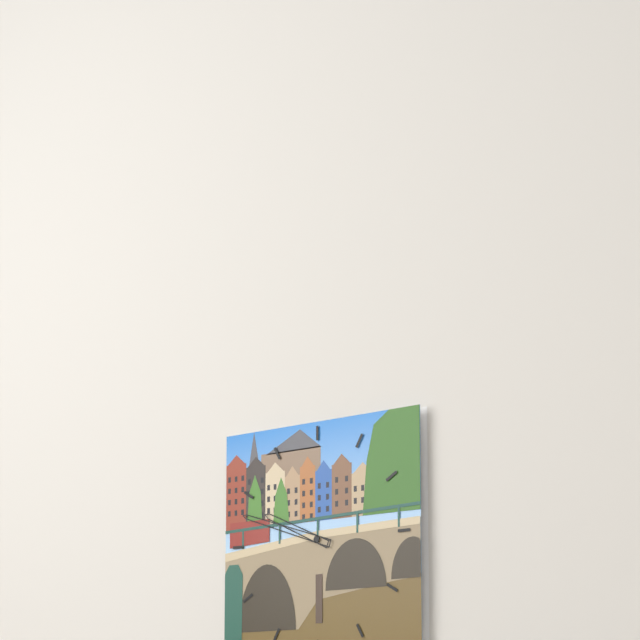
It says 9:48
